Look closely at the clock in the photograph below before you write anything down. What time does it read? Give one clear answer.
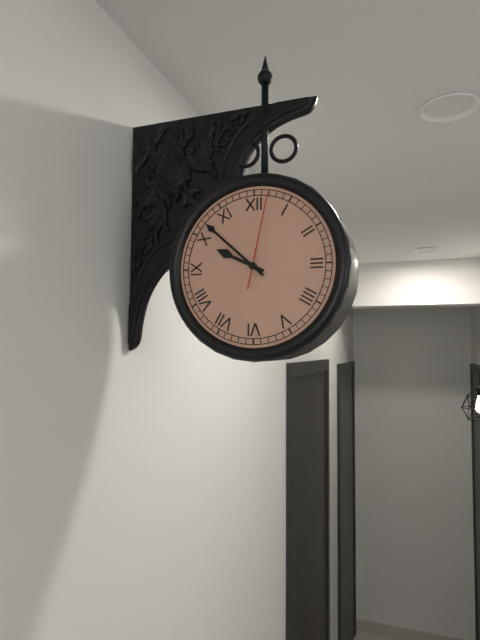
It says 9:52:02
